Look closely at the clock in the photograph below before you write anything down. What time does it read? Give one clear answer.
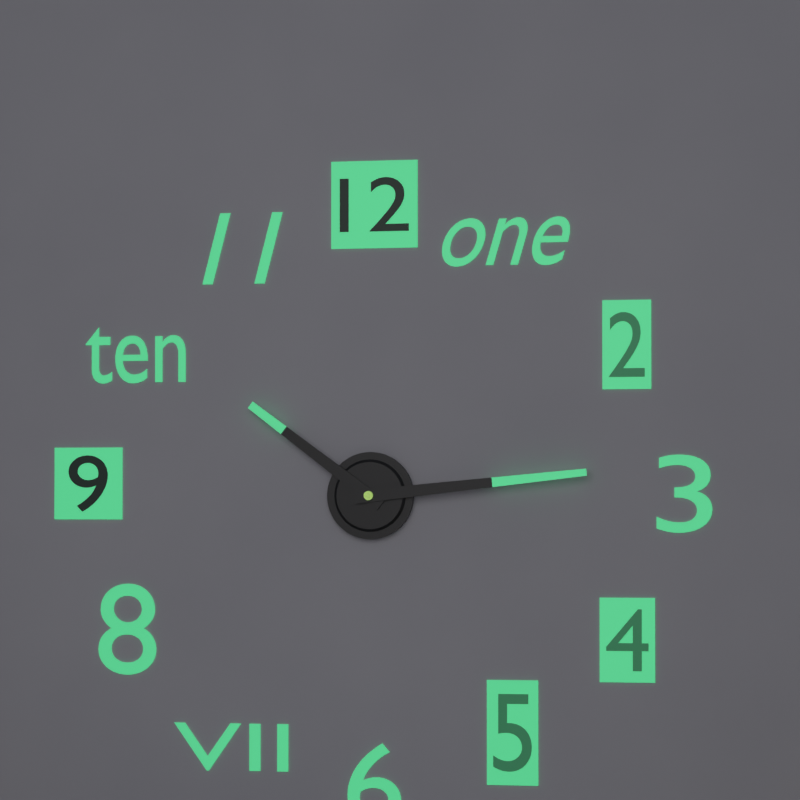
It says 10:14
